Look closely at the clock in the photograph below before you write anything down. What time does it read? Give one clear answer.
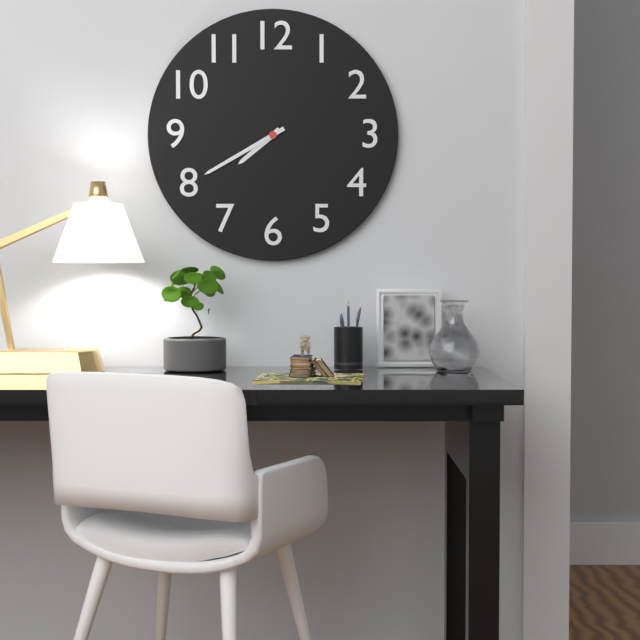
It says 7:40
